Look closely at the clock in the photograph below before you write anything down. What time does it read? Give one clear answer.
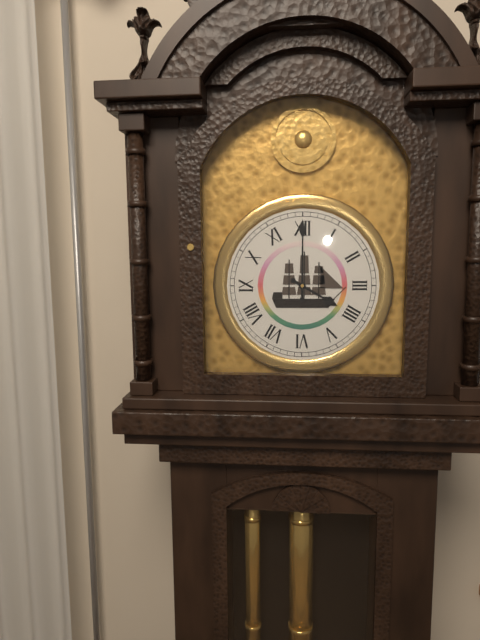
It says 4:00
